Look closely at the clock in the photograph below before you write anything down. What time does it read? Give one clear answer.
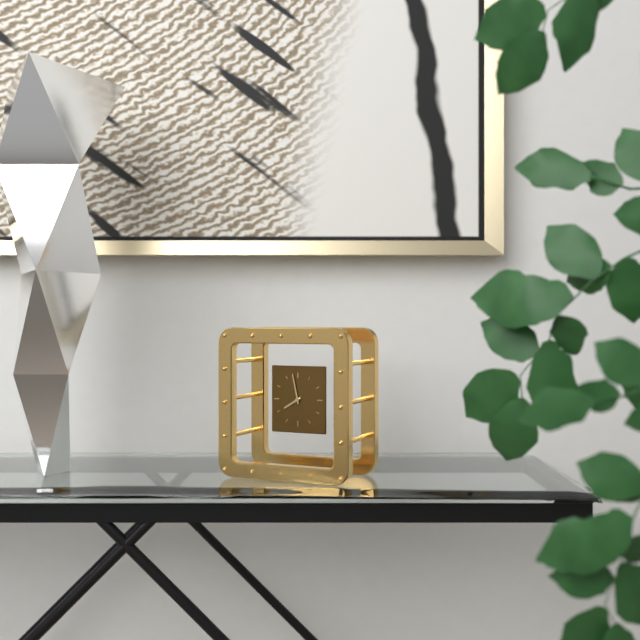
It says 7:58
